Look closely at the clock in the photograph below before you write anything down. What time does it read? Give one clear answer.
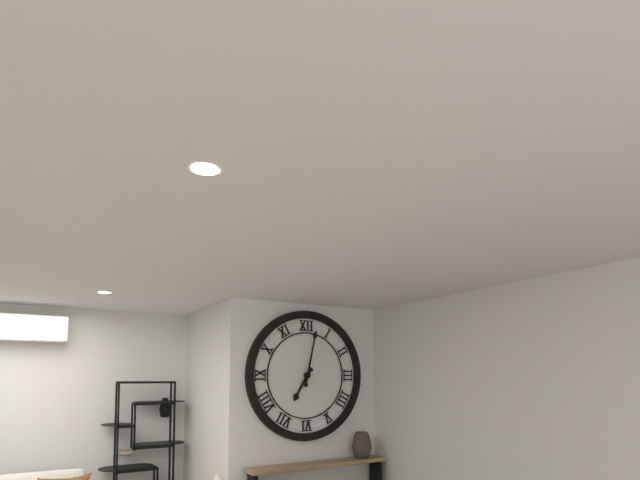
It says 7:02
